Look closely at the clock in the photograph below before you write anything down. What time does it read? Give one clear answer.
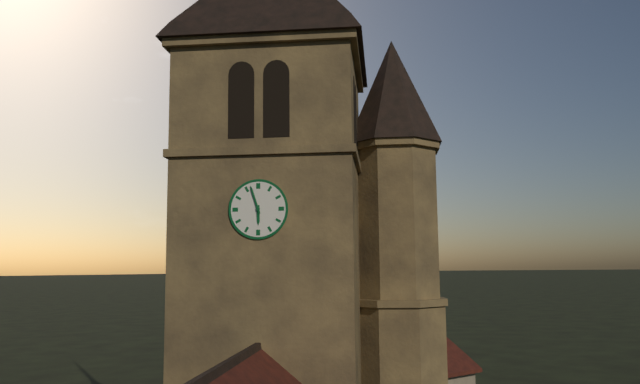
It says 5:57
